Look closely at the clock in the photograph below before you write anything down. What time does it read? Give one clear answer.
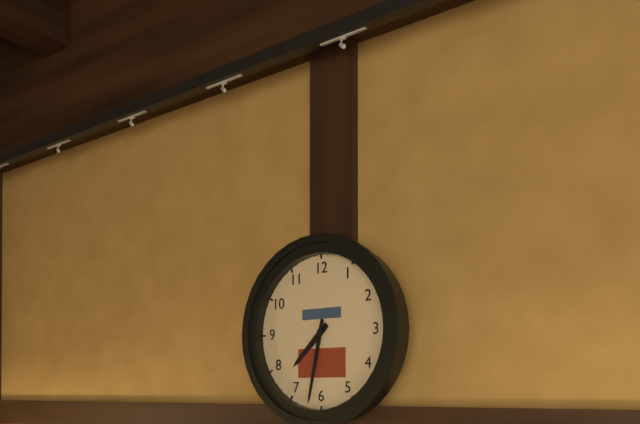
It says 7:32
